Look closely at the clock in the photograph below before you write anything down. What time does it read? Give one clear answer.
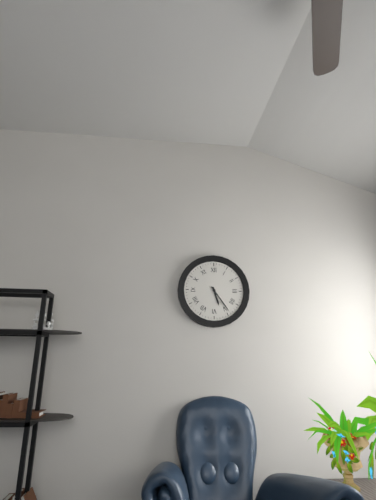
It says 5:24
